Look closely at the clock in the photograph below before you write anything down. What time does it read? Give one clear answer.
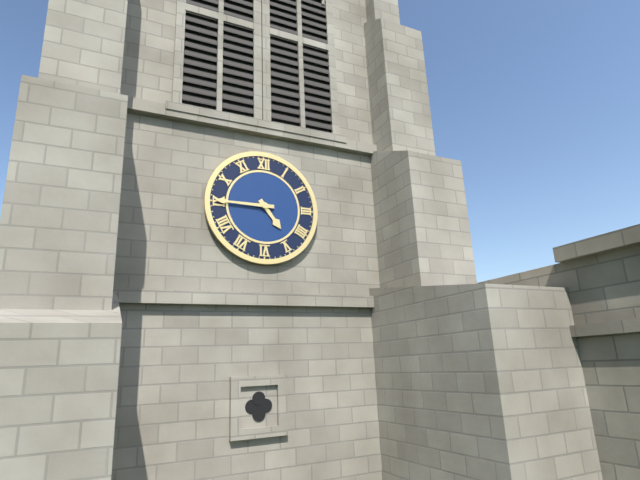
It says 4:45
